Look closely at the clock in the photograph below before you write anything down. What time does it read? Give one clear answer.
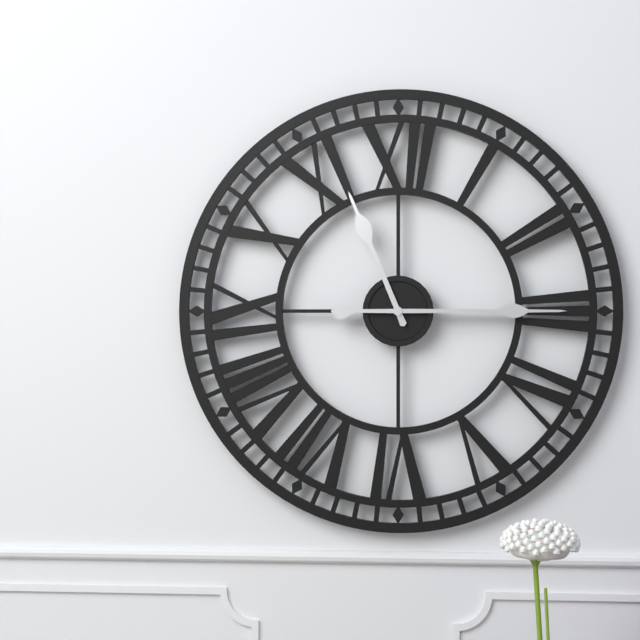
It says 11:15
